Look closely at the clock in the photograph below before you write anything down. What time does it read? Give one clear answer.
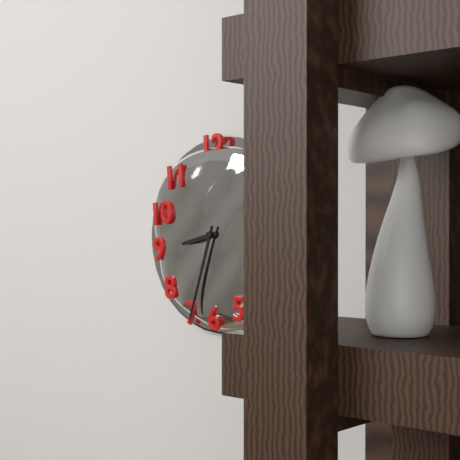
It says 8:33
